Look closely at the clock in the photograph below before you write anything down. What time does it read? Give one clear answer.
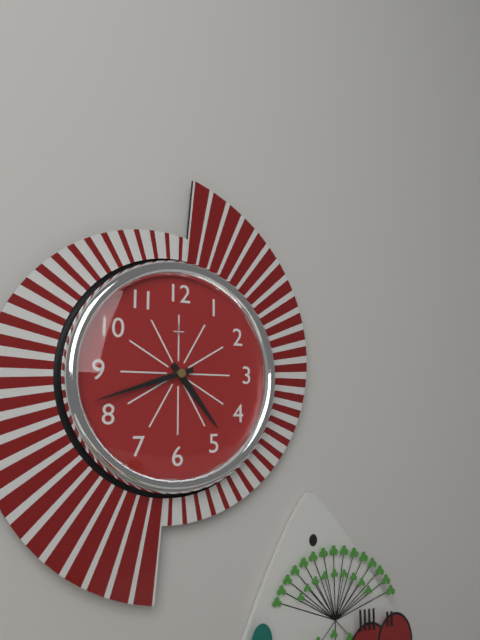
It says 4:42
